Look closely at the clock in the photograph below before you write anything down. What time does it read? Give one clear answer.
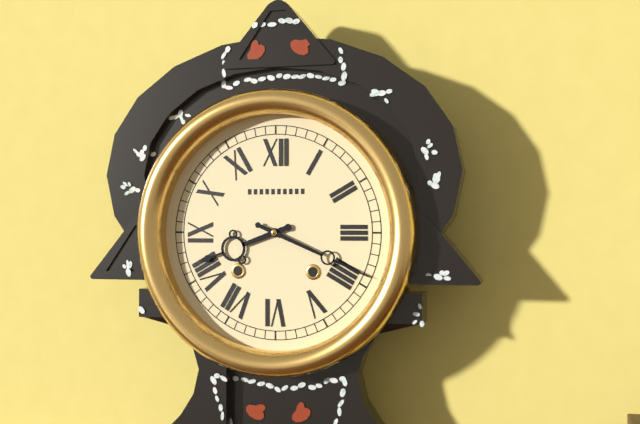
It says 8:19
